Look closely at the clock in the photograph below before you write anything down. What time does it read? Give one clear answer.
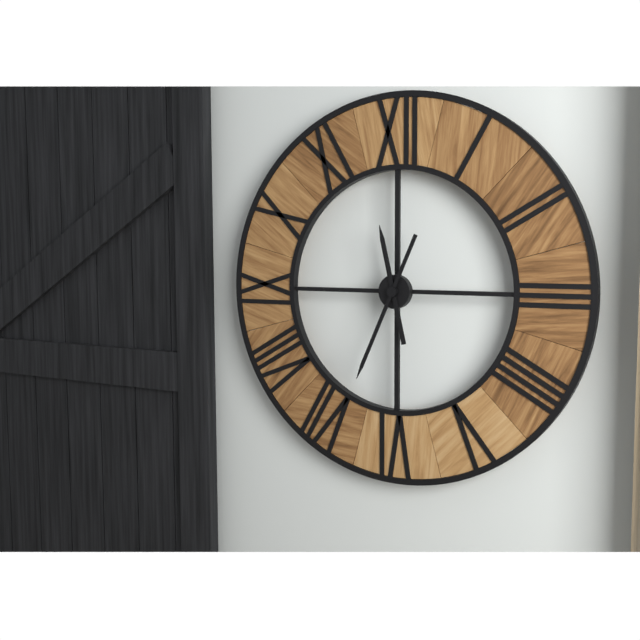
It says 11:34
